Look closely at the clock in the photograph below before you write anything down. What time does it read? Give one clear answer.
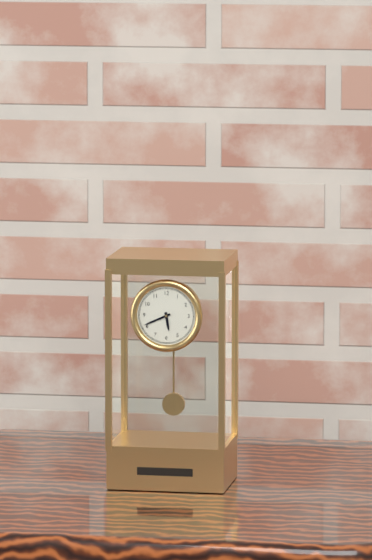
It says 5:41
